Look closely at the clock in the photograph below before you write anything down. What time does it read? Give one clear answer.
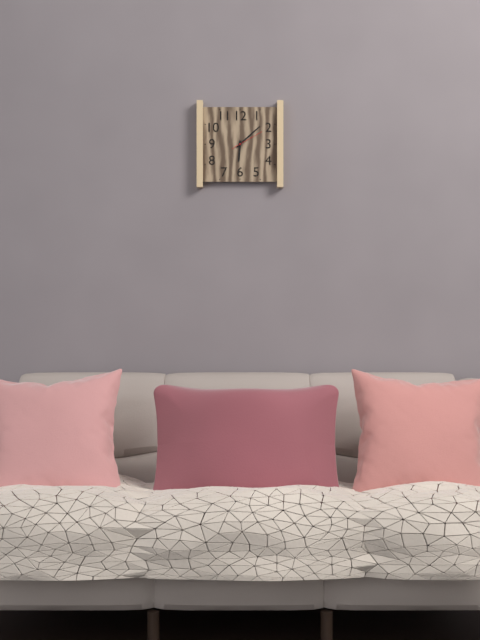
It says 6:08
